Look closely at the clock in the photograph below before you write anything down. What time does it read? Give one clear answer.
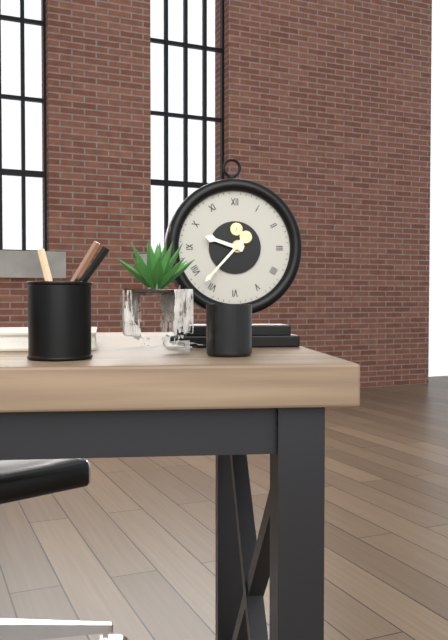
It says 9:37
